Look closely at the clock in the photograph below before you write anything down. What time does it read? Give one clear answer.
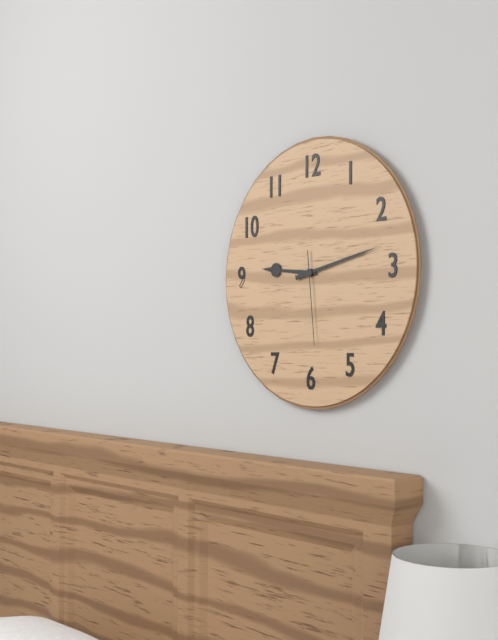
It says 9:13:29
